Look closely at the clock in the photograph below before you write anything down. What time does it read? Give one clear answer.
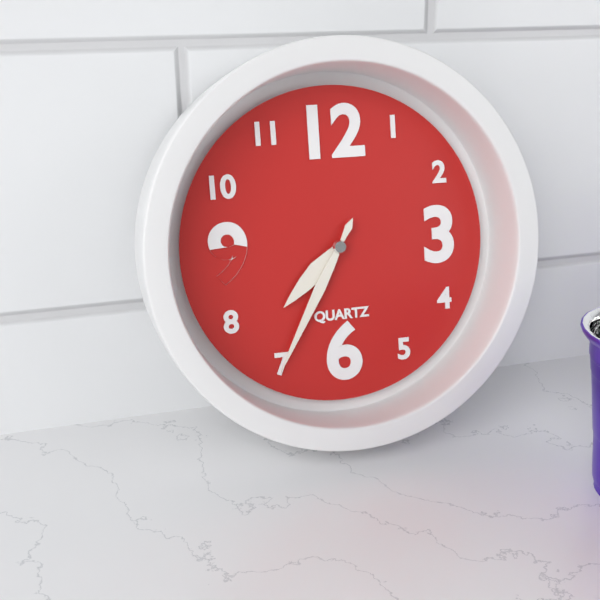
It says 7:35
